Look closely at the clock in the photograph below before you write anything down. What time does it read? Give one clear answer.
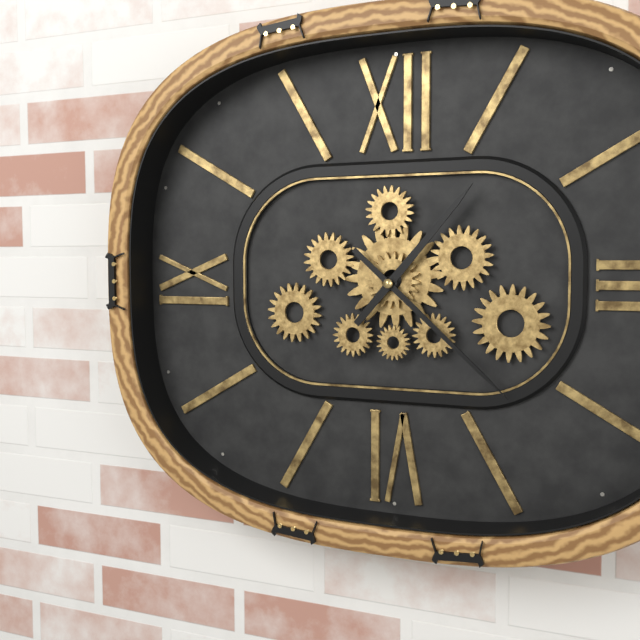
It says 1:22
